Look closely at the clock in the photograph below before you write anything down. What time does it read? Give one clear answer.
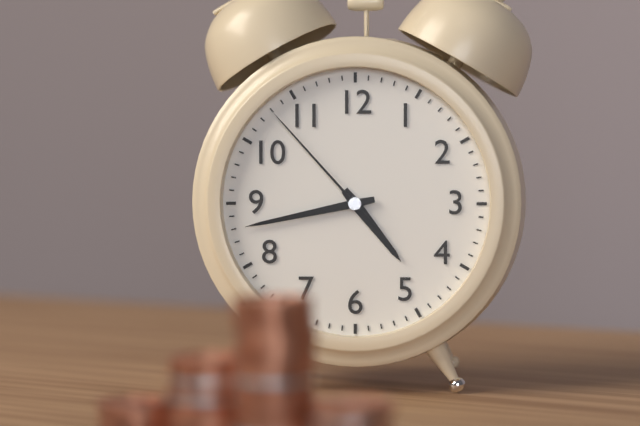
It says 4:43:53
